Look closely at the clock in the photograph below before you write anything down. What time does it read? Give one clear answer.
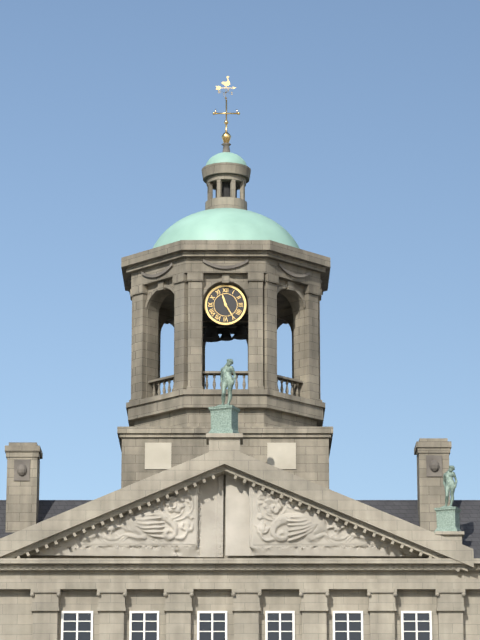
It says 11:25
